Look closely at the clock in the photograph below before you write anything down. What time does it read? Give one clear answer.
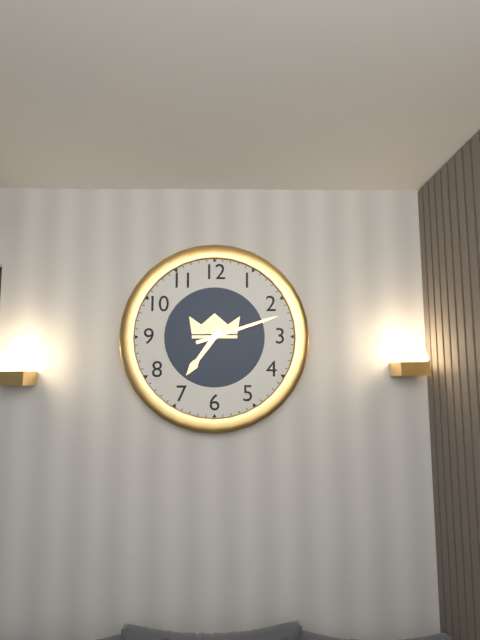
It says 7:12
